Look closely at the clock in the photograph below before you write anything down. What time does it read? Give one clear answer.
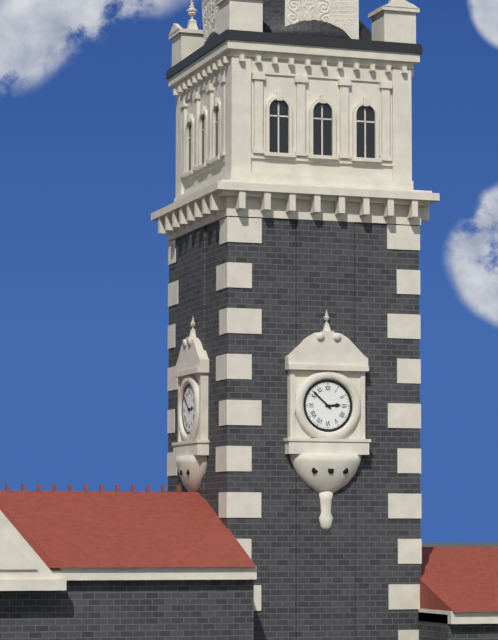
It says 2:52
